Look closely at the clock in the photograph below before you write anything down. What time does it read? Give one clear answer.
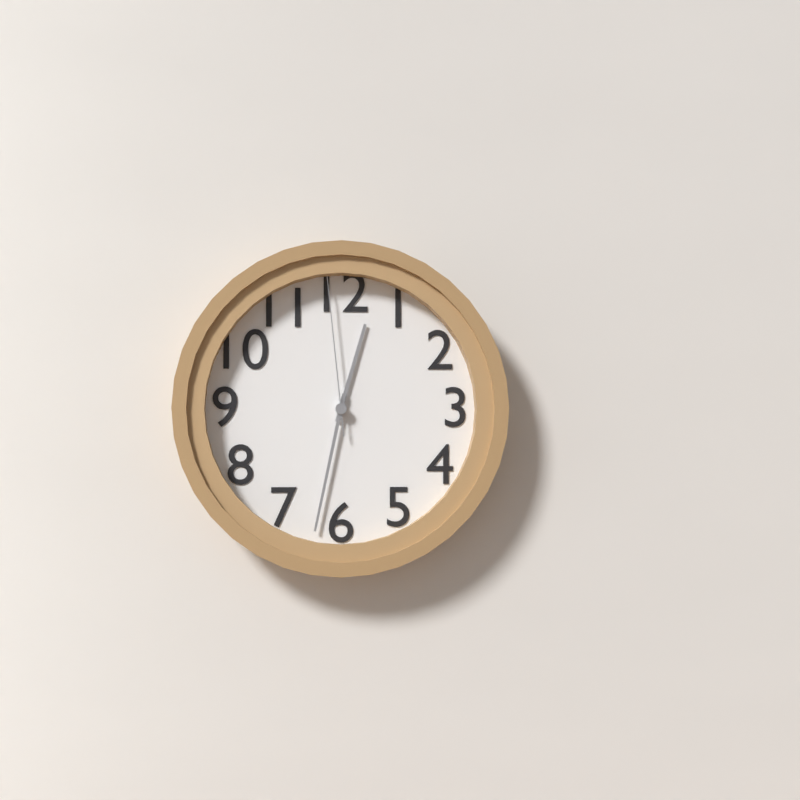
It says 12:32:59
